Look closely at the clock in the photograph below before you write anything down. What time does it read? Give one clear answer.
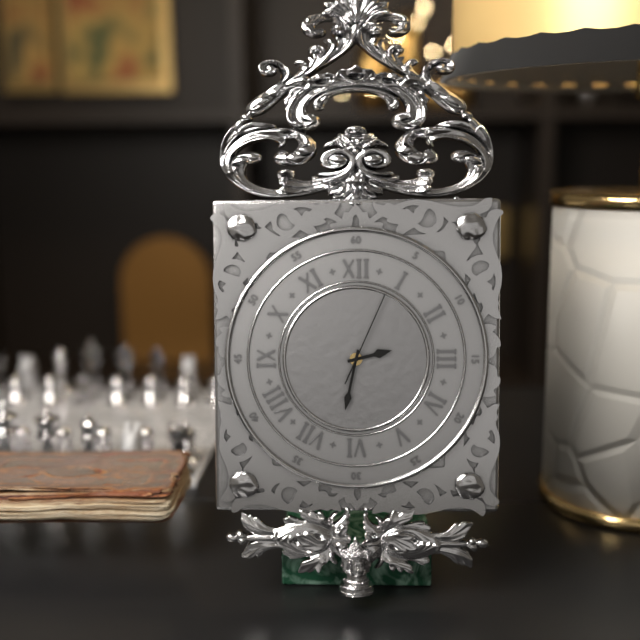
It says 2:32:04
